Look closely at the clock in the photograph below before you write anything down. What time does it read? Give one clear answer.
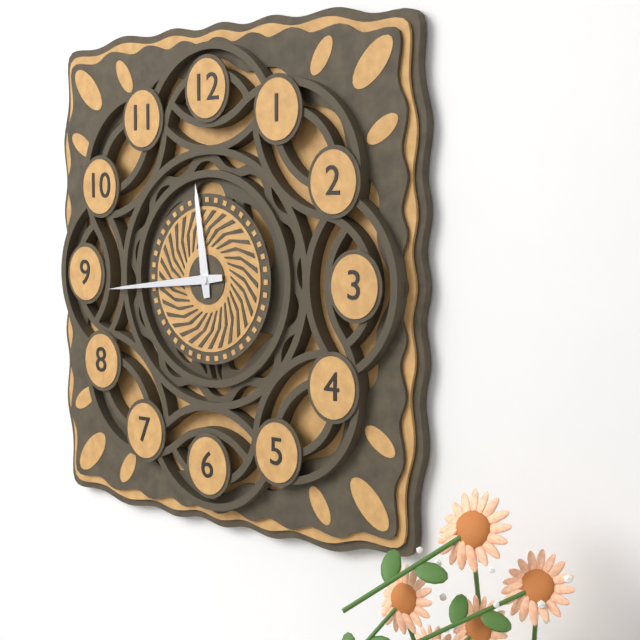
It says 11:44
